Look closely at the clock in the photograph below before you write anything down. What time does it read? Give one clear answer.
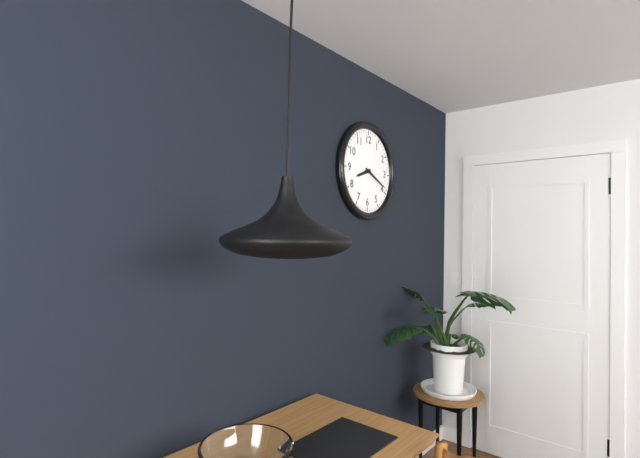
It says 8:19
